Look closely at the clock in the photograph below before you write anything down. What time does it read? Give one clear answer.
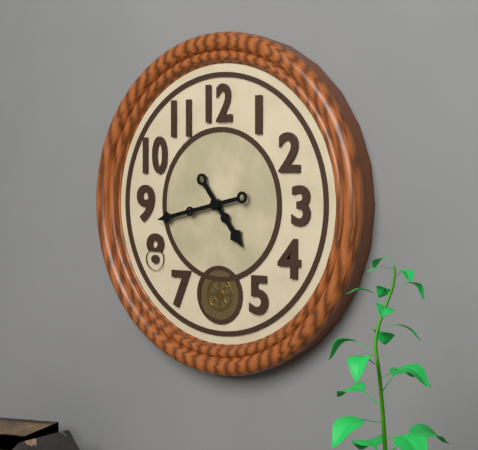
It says 4:43
